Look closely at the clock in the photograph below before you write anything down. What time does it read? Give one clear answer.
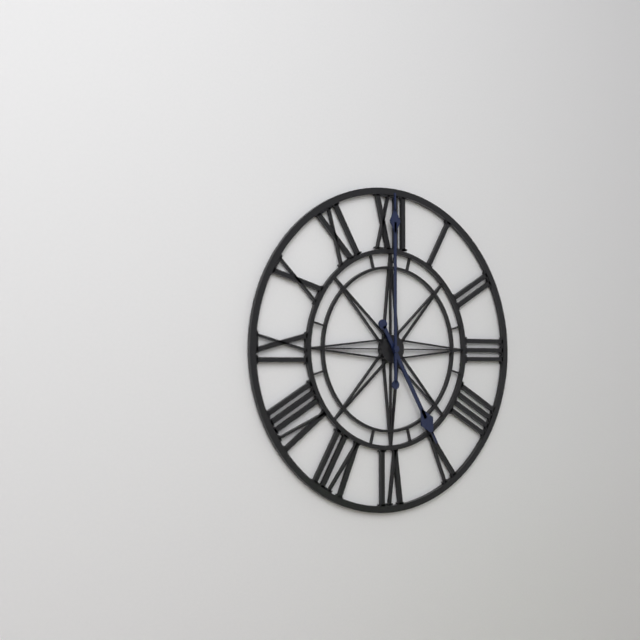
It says 5:00
